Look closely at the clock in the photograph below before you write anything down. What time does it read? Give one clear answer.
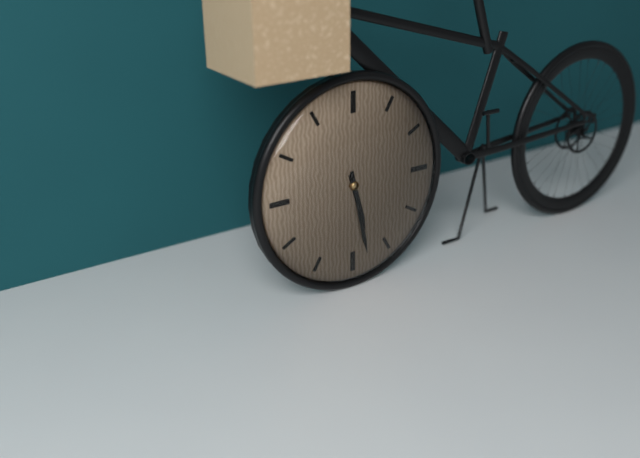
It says 5:28
